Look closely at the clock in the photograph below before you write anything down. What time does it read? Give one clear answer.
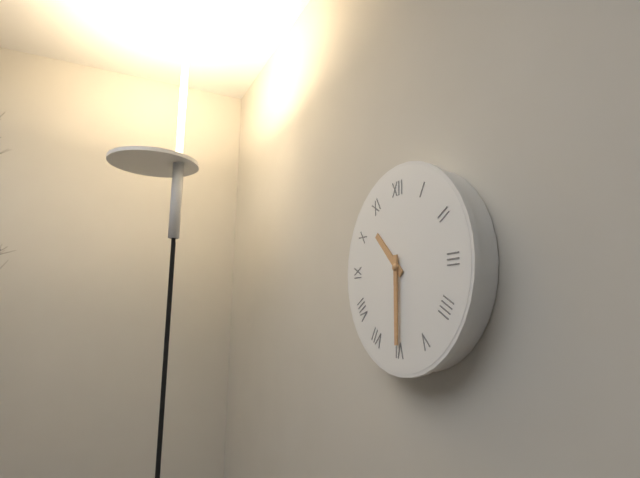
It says 10:30
